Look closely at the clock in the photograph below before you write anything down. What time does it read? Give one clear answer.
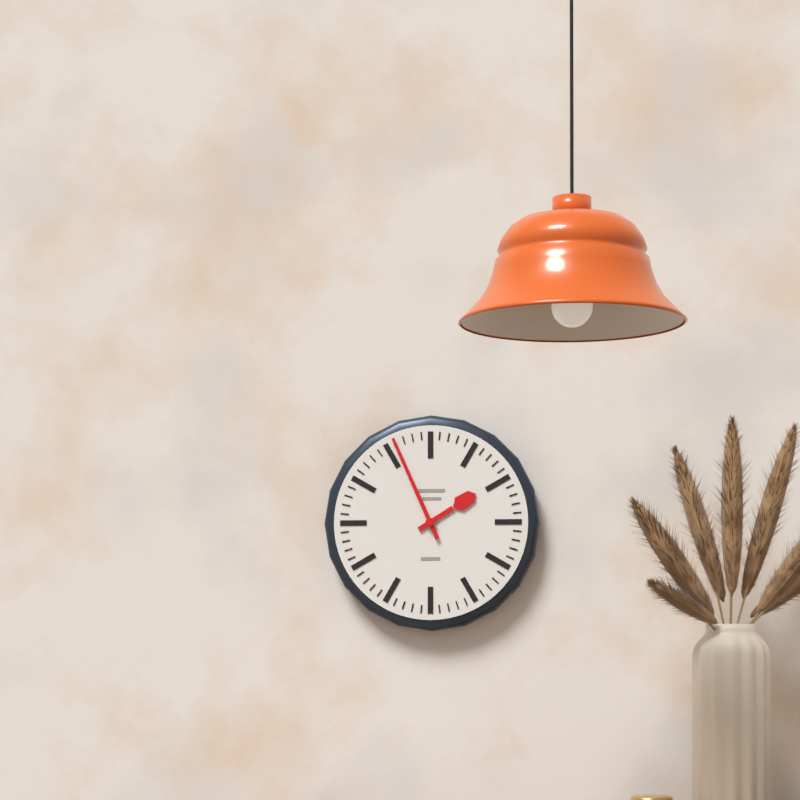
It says 1:56
